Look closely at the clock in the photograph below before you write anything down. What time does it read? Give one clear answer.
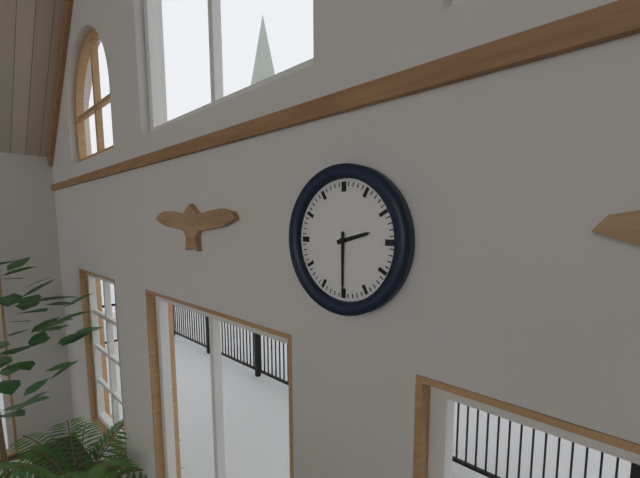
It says 2:30
